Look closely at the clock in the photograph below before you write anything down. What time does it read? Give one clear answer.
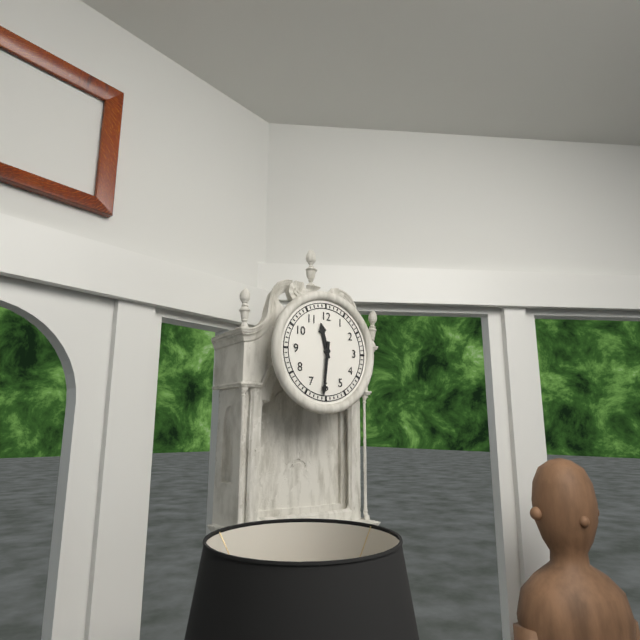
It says 11:31
